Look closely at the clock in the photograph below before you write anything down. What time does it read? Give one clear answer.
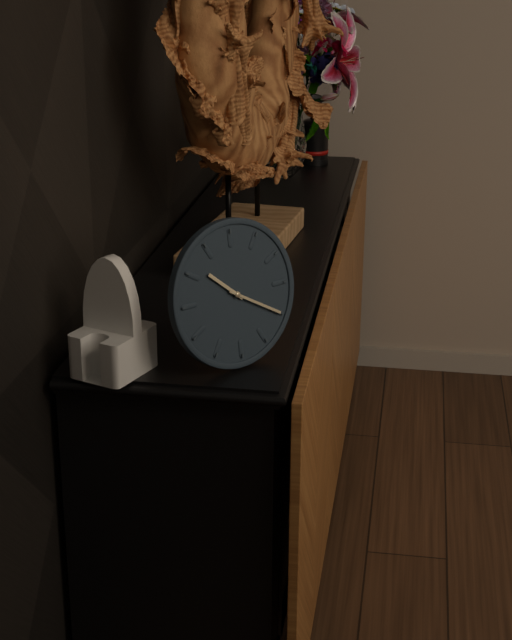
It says 10:20
